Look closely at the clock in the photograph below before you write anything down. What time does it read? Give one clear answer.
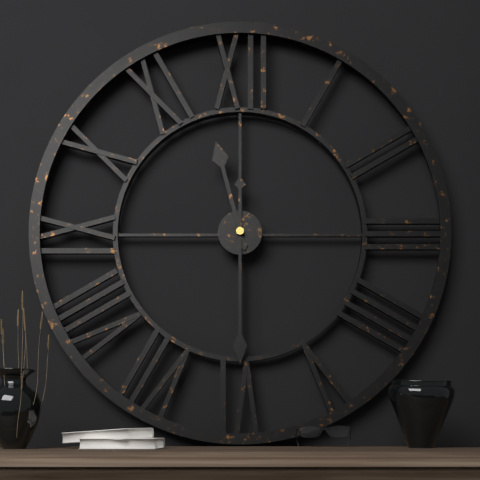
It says 11:30
